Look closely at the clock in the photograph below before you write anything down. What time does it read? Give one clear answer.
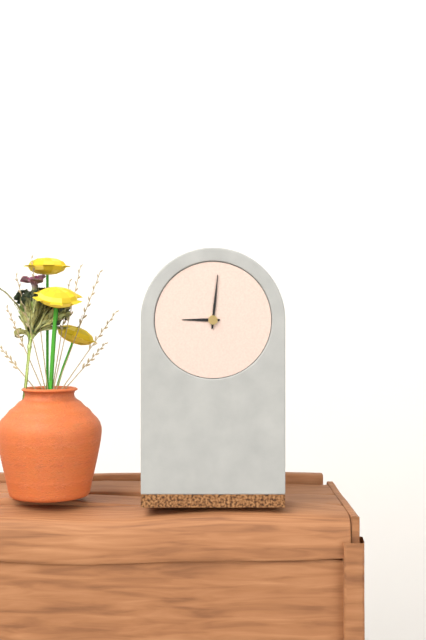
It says 9:01
